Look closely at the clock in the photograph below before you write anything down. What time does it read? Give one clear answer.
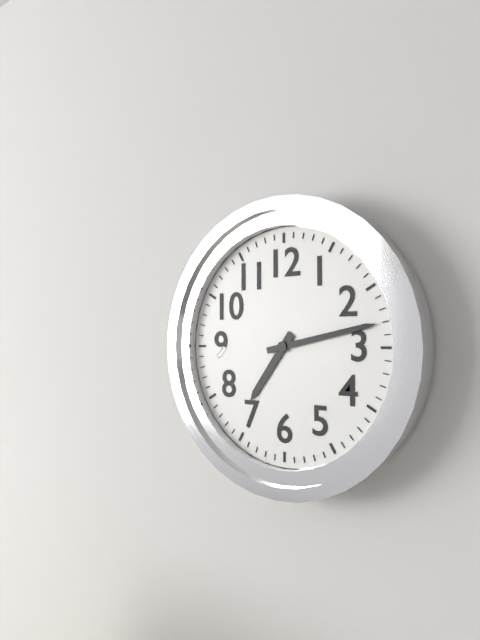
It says 7:13
